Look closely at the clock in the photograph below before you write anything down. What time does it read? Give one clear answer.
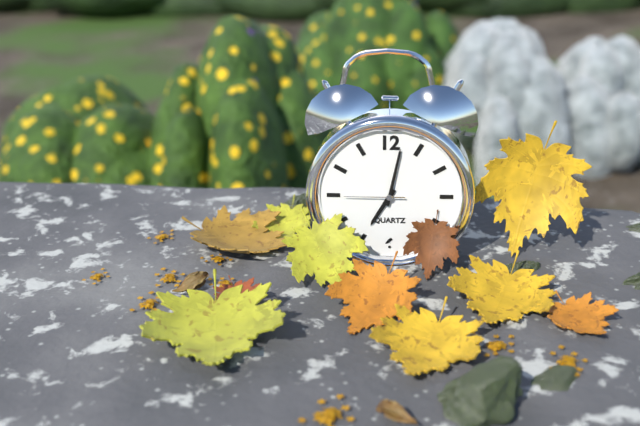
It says 7:02:45
